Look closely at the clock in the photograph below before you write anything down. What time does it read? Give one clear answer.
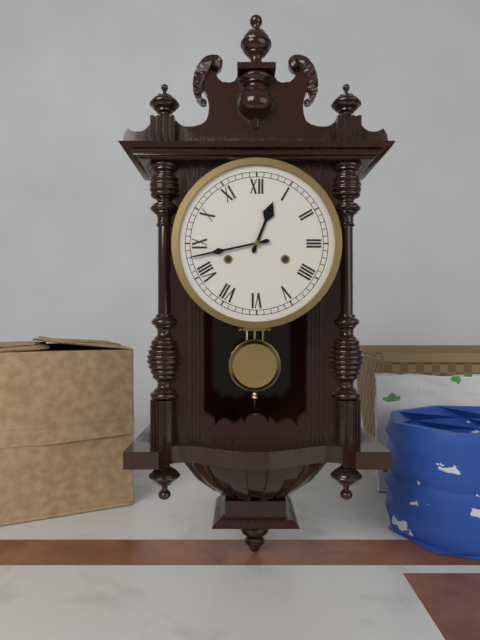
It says 12:43
